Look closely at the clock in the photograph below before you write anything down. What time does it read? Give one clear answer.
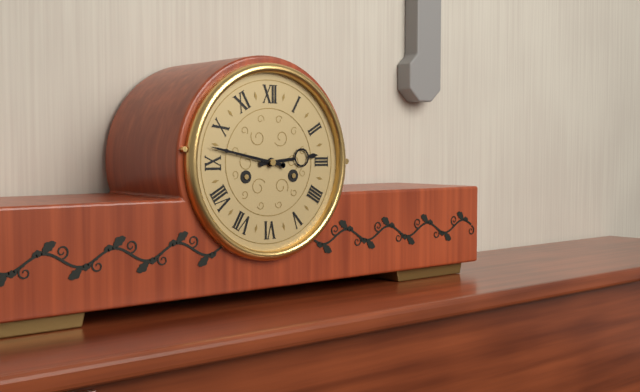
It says 2:47
